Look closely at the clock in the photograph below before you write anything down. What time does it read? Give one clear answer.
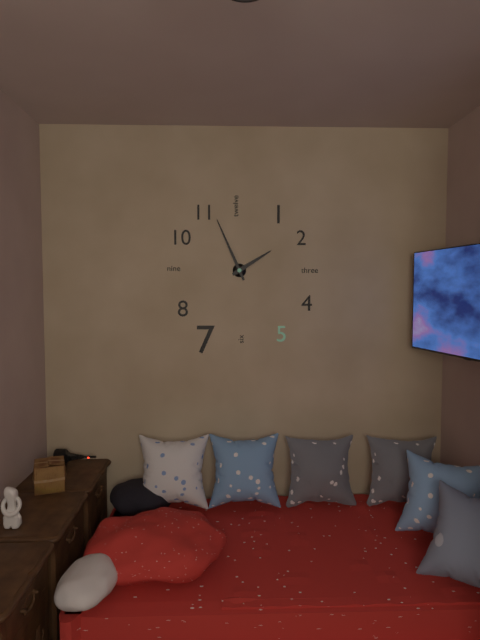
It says 1:56
